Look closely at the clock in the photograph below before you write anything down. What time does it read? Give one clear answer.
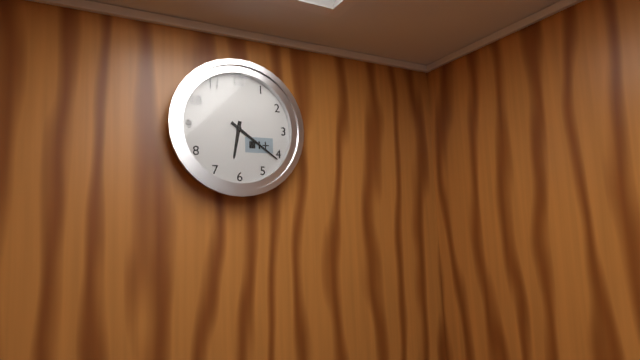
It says 6:21
